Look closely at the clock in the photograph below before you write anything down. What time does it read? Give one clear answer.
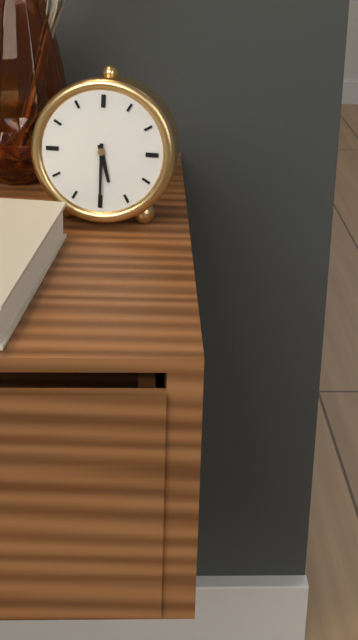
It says 5:30
